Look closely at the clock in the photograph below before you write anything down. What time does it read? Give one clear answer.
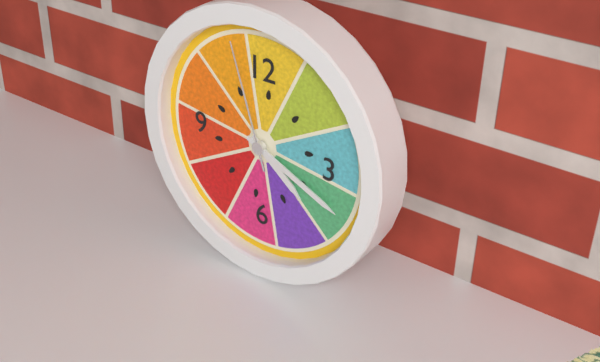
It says 4:19:57
